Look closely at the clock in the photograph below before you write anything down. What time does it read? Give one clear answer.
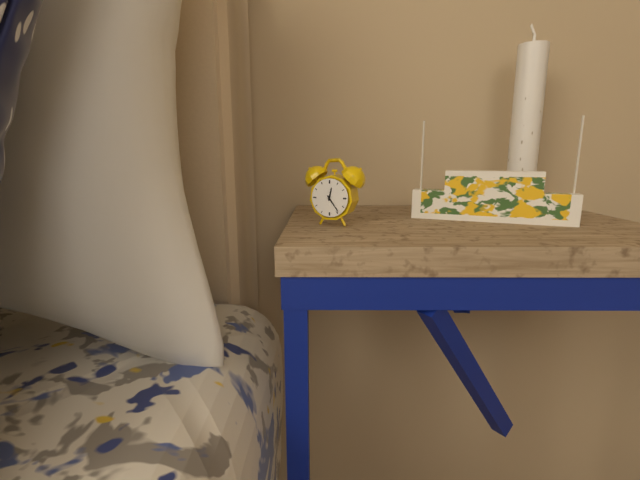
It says 12:24
